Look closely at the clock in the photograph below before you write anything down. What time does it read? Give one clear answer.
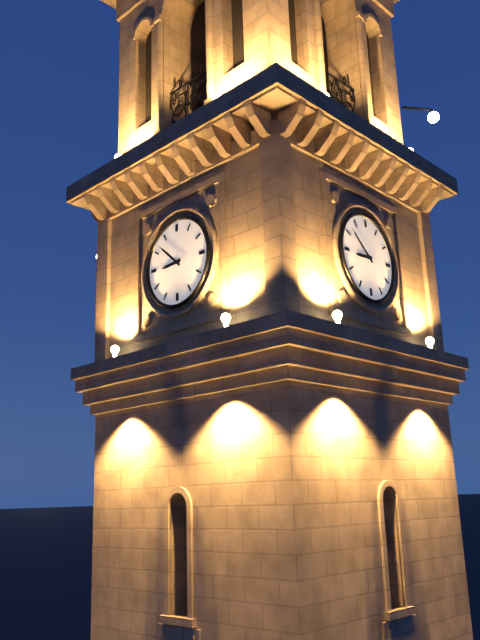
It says 8:52
